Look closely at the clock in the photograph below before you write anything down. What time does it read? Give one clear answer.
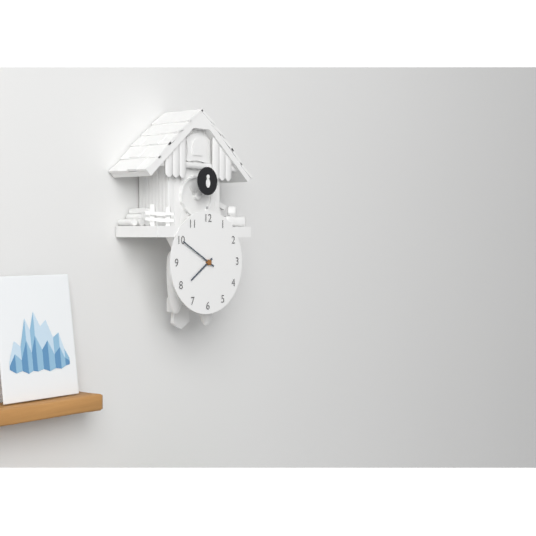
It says 7:50
